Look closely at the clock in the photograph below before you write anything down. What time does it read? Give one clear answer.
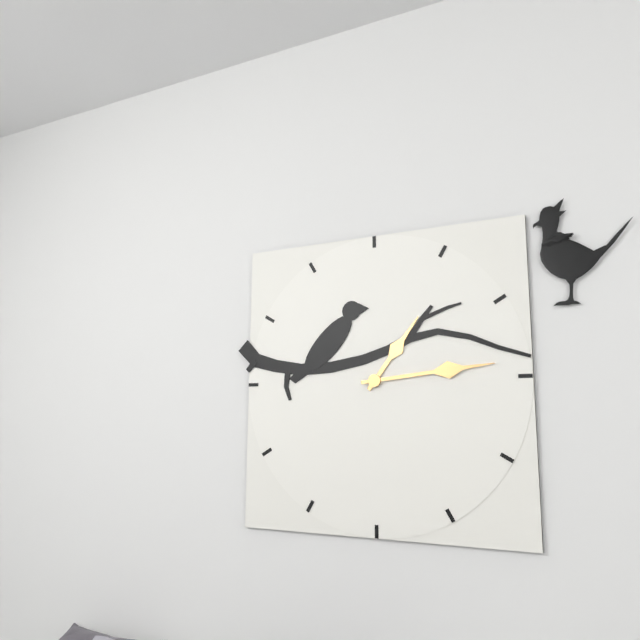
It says 1:14
